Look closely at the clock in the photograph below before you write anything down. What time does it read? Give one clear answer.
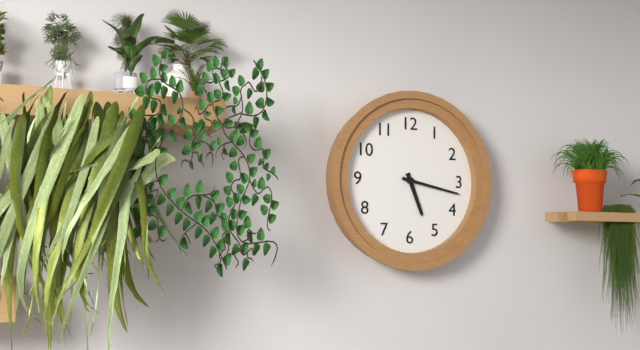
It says 5:17
